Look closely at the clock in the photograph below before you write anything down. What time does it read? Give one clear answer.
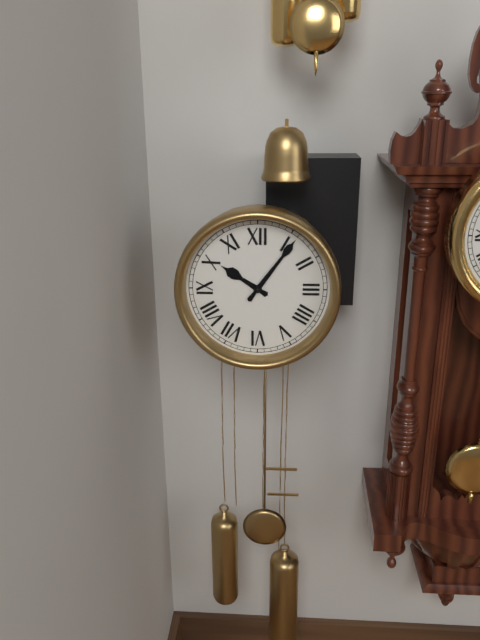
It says 10:06
